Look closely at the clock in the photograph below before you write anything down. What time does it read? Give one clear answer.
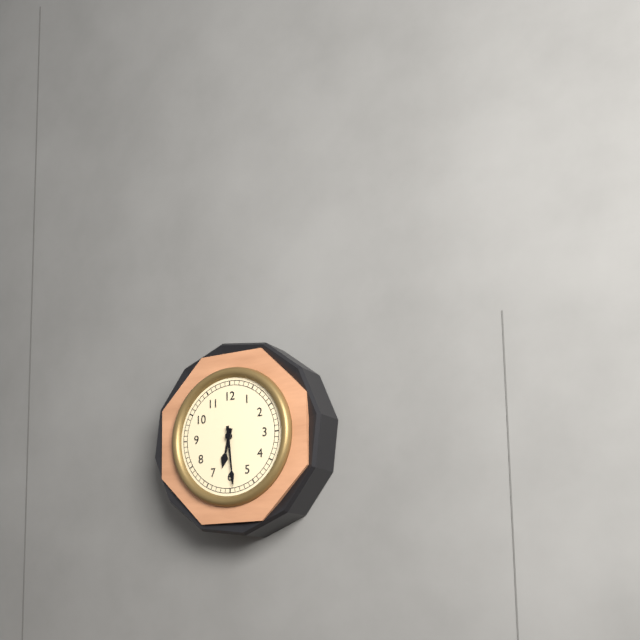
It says 6:29
